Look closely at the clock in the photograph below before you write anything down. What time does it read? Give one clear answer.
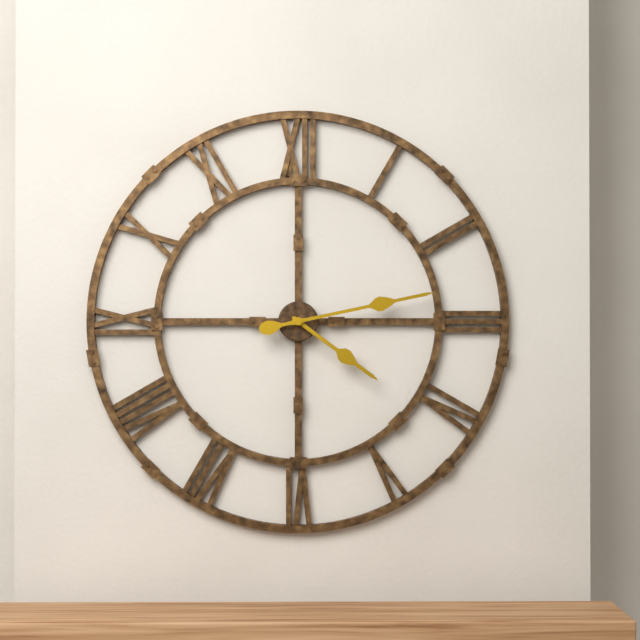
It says 4:13
